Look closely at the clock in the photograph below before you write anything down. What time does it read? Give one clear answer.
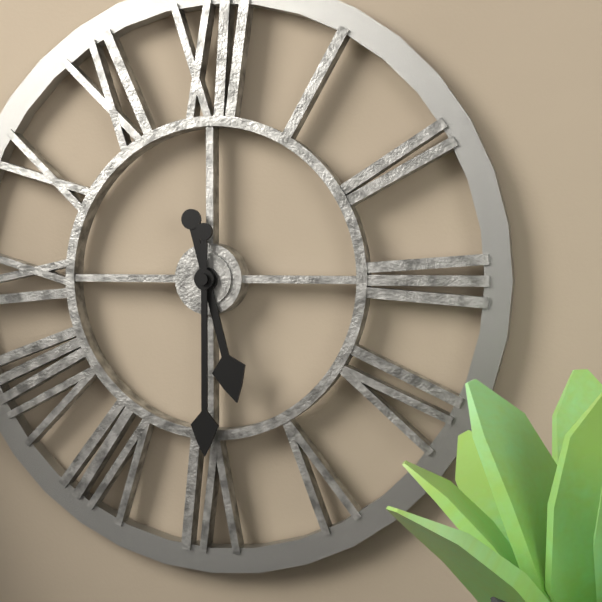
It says 5:30
